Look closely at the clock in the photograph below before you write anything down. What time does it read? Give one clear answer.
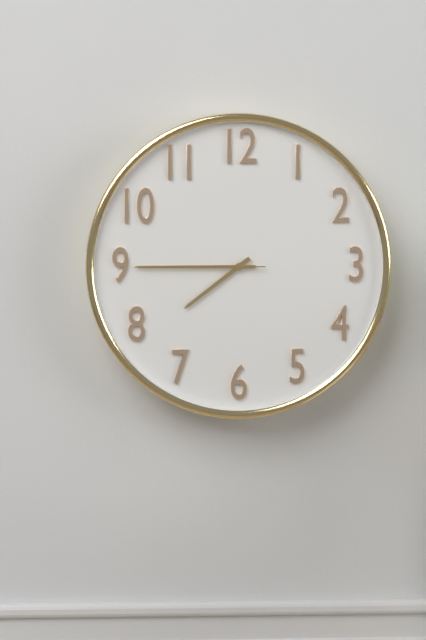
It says 7:45:45
